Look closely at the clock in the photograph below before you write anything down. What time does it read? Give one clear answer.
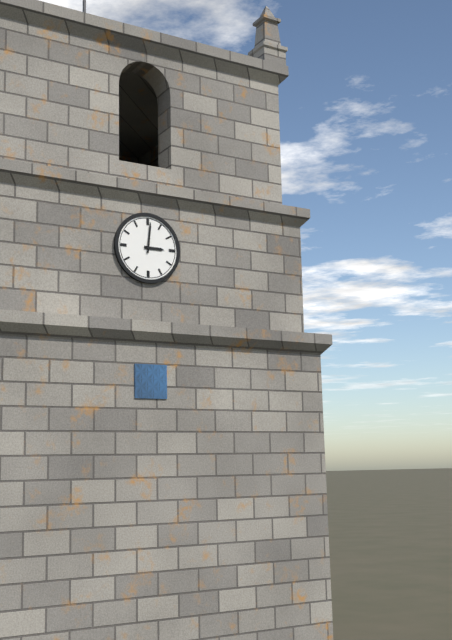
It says 3:01
